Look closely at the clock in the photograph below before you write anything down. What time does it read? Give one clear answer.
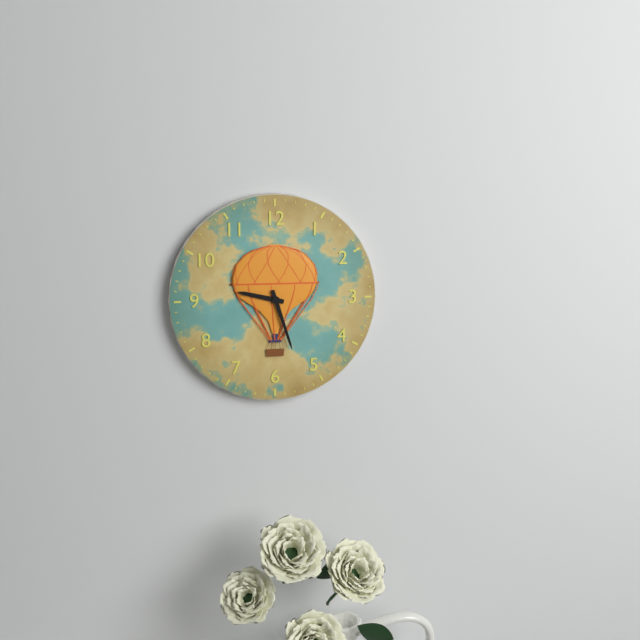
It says 9:27
